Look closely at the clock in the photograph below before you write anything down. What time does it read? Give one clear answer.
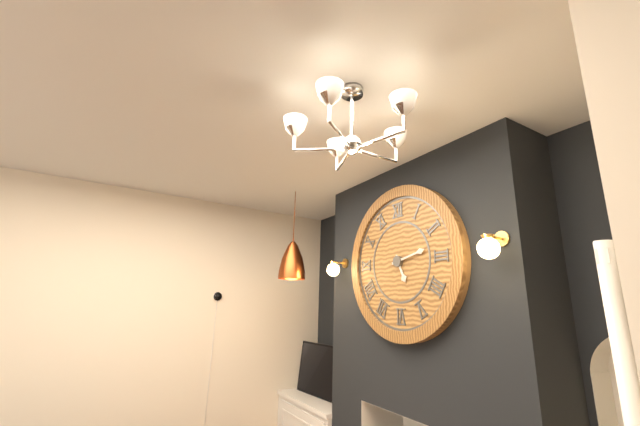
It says 5:13
